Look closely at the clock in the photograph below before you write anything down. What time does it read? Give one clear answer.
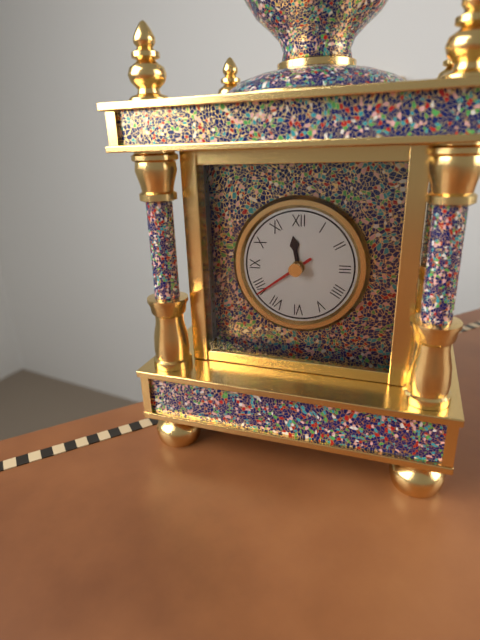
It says 11:39
